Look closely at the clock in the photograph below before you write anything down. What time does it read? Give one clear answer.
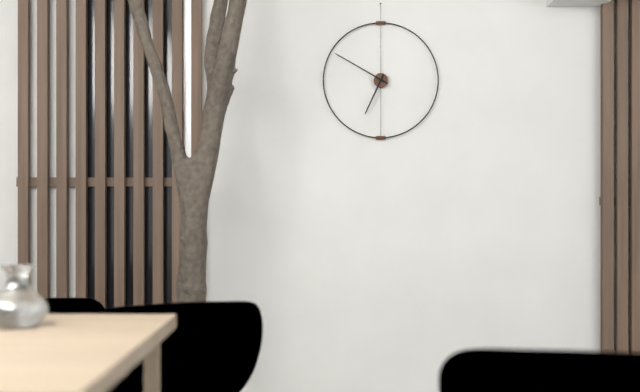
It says 6:50
